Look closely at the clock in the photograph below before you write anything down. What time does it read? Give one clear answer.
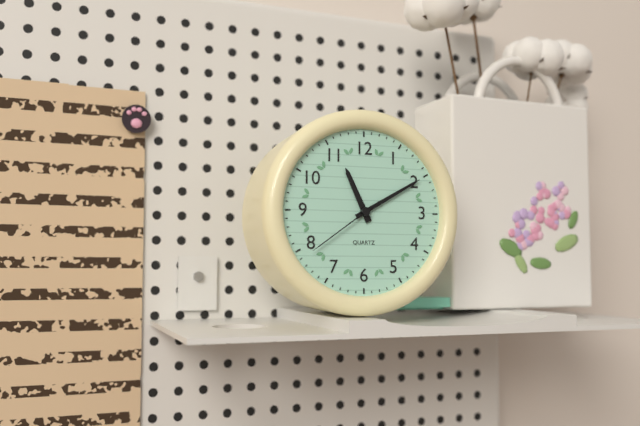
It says 11:10:39
